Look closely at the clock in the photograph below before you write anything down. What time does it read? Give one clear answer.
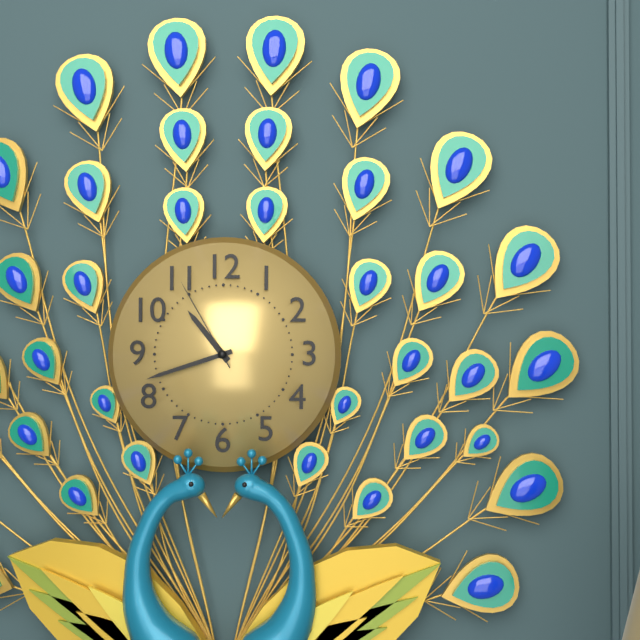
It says 10:42:55
